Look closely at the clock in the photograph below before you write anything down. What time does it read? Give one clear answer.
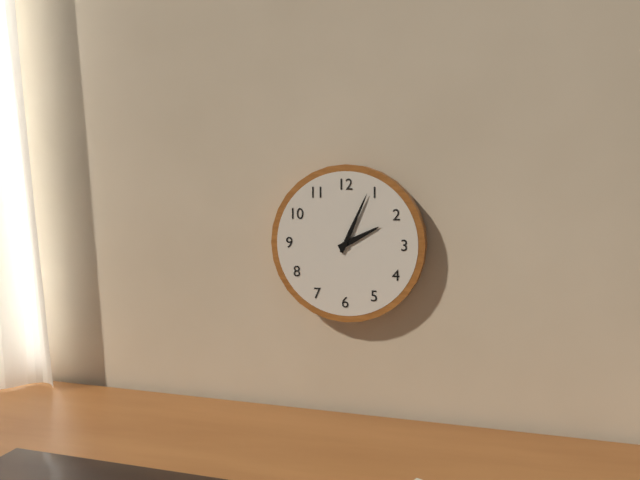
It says 2:04
